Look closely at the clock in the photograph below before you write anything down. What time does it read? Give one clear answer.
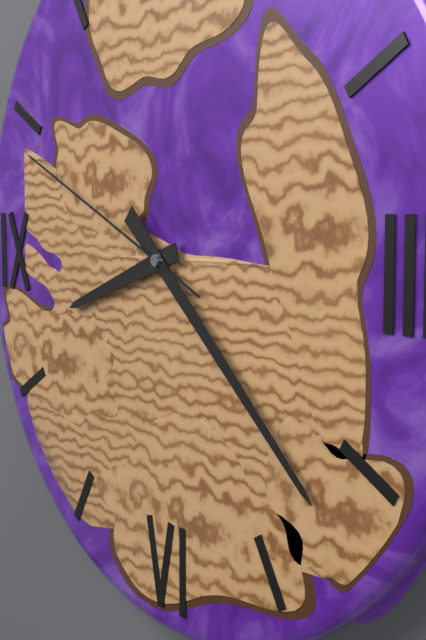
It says 8:22:49
